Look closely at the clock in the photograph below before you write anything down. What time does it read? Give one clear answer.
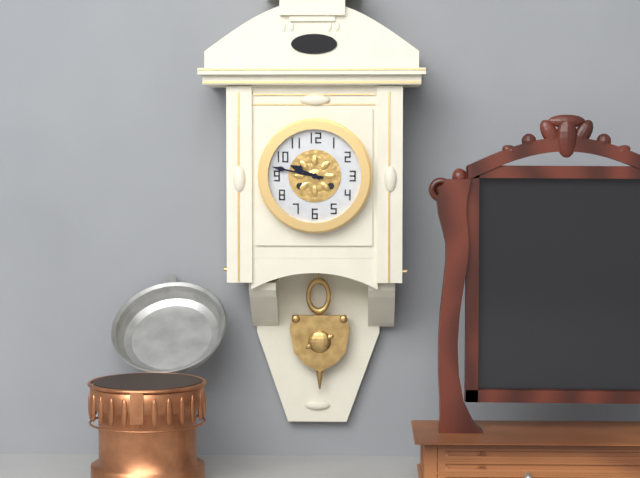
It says 9:47
